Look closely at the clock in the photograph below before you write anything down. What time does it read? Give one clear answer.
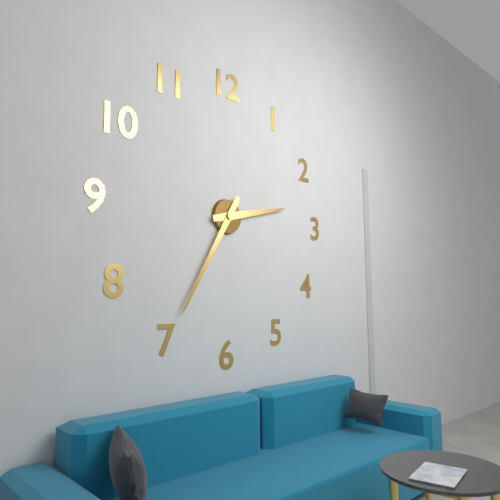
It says 2:35
